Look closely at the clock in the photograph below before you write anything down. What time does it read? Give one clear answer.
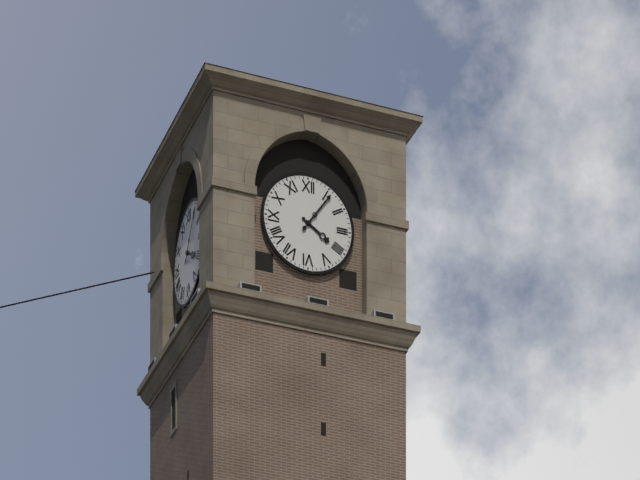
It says 4:06
